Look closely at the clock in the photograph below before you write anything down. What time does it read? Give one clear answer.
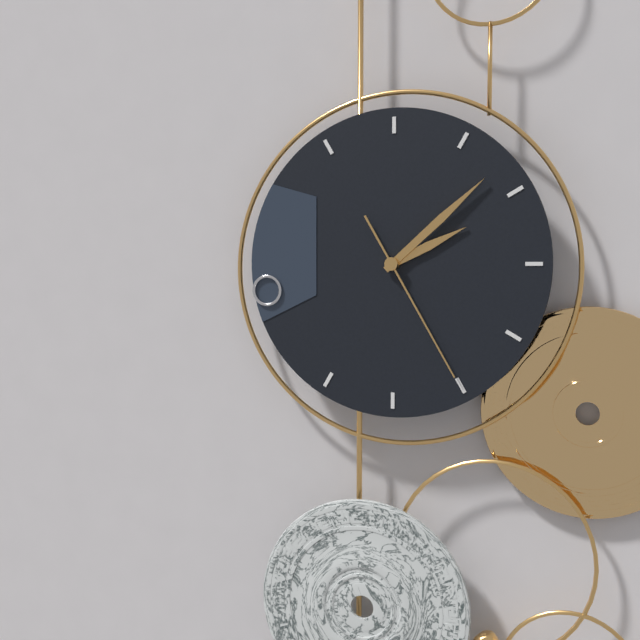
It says 2:08:25
